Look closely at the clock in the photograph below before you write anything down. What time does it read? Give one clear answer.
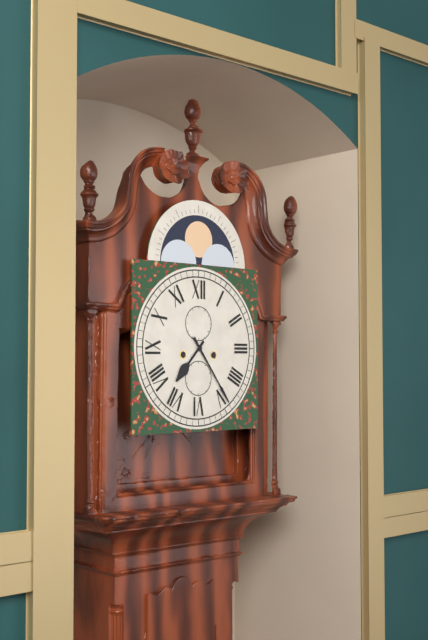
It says 7:24
